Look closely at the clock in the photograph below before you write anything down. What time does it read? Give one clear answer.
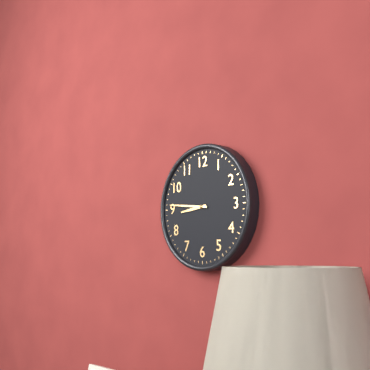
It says 8:46
